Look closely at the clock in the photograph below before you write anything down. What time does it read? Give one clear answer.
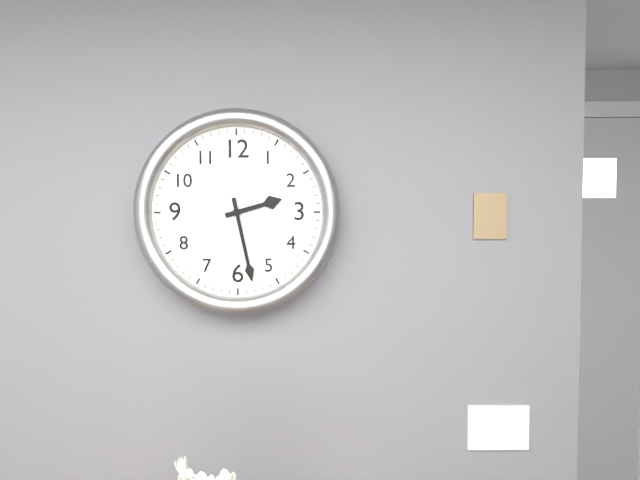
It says 2:28
